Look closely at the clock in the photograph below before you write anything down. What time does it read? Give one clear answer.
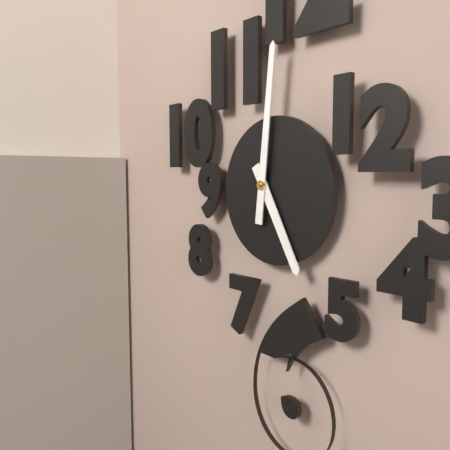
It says 5:01
